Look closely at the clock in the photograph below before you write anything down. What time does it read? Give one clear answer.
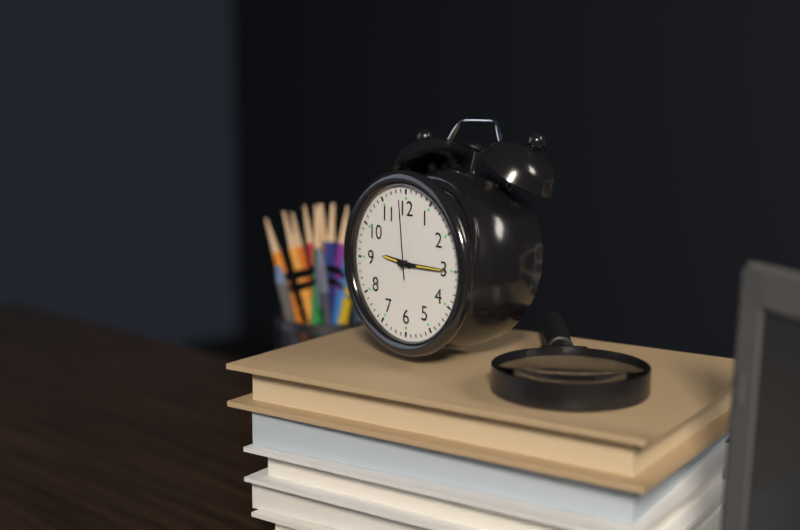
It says 9:15:59
